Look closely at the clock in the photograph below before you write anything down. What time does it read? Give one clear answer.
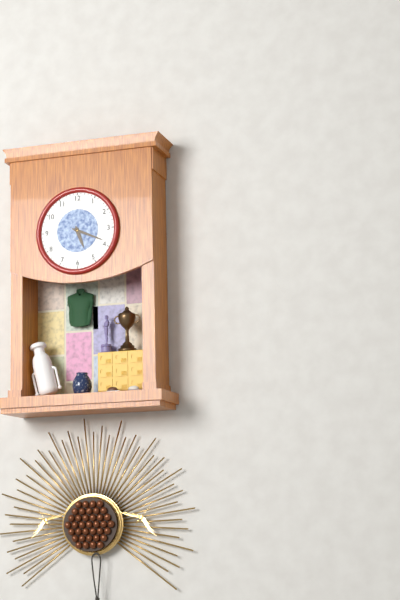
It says 5:19
